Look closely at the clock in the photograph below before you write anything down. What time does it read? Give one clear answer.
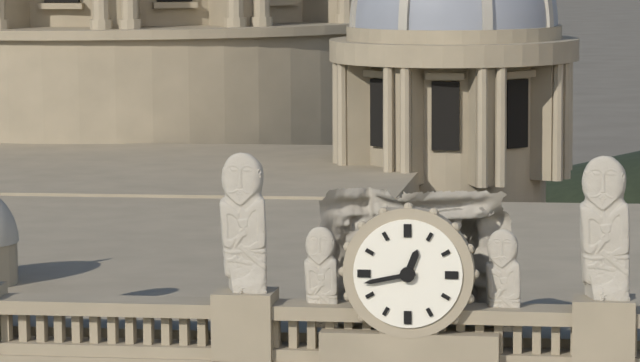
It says 12:43
